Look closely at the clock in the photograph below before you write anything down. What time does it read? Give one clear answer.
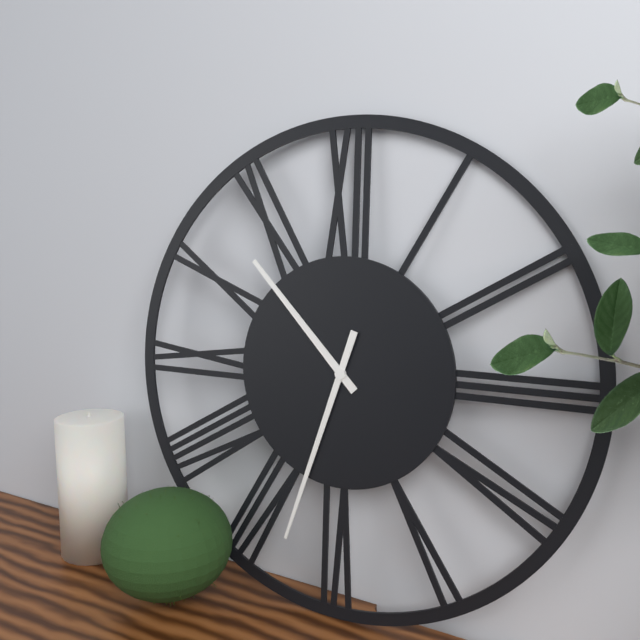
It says 10:33
